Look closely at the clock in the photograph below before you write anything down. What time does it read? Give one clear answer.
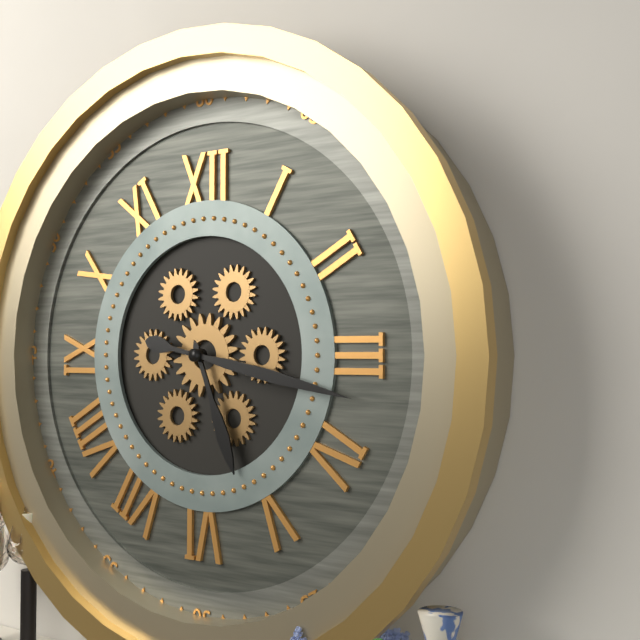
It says 5:17
